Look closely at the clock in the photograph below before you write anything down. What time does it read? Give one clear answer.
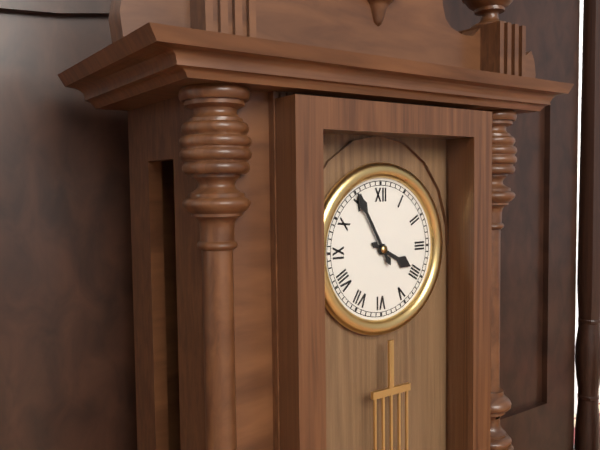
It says 3:55
